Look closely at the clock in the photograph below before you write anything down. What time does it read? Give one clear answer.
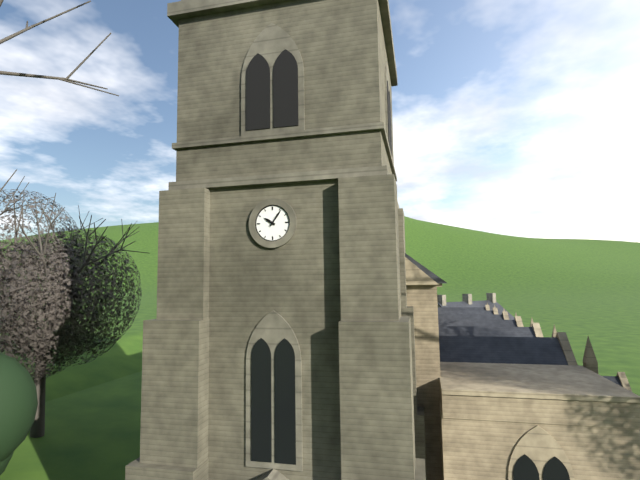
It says 10:06
